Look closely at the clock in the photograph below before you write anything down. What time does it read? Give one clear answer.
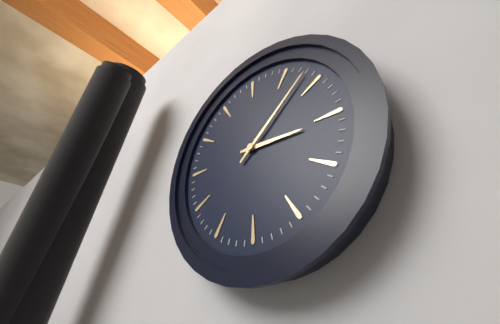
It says 3:08
